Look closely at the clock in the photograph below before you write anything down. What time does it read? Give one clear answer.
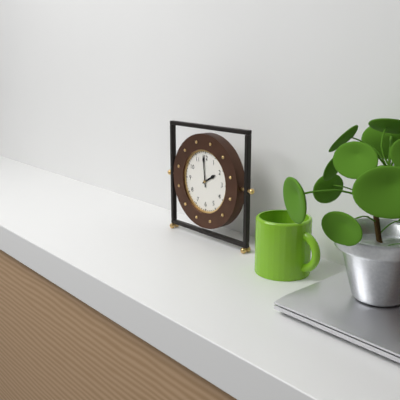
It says 1:59
